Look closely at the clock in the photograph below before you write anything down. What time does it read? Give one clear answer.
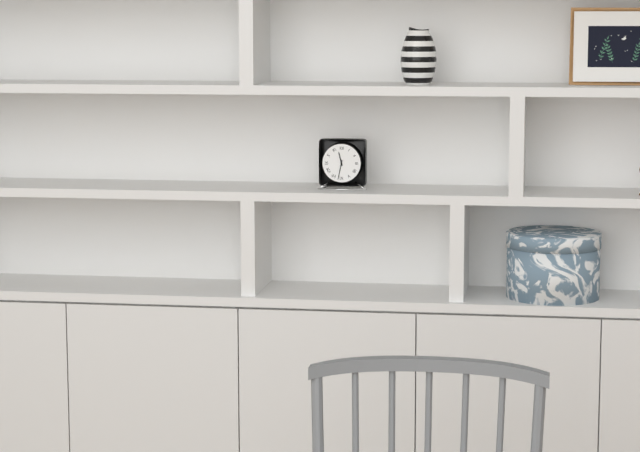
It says 11:32
